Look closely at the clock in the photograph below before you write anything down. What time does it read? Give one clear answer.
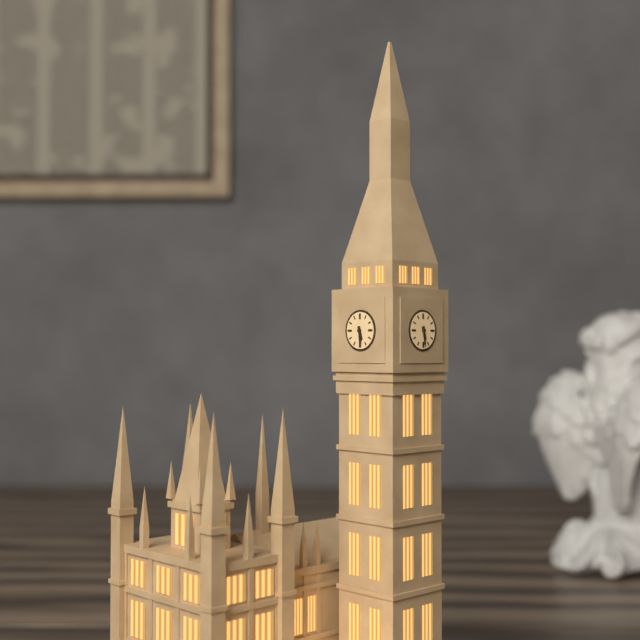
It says 5:29
